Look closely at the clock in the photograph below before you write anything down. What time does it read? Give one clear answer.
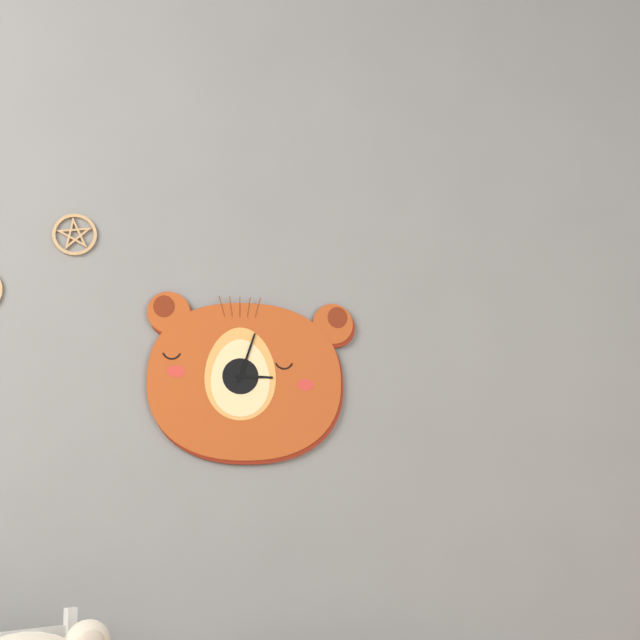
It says 3:03
